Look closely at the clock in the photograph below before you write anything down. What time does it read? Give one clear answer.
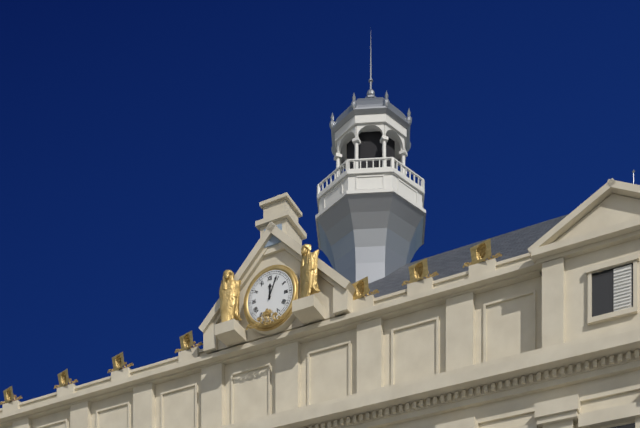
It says 12:04
